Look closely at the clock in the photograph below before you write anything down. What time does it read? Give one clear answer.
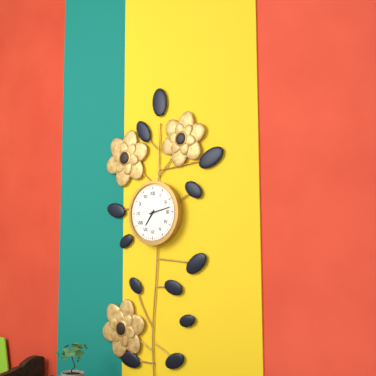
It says 7:13
